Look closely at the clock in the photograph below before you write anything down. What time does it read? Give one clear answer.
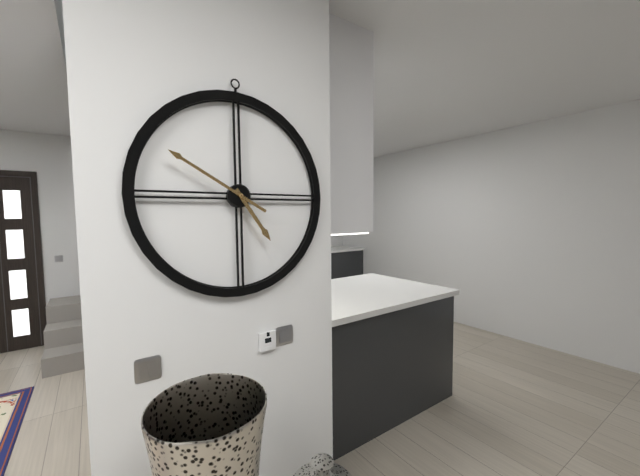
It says 4:50
